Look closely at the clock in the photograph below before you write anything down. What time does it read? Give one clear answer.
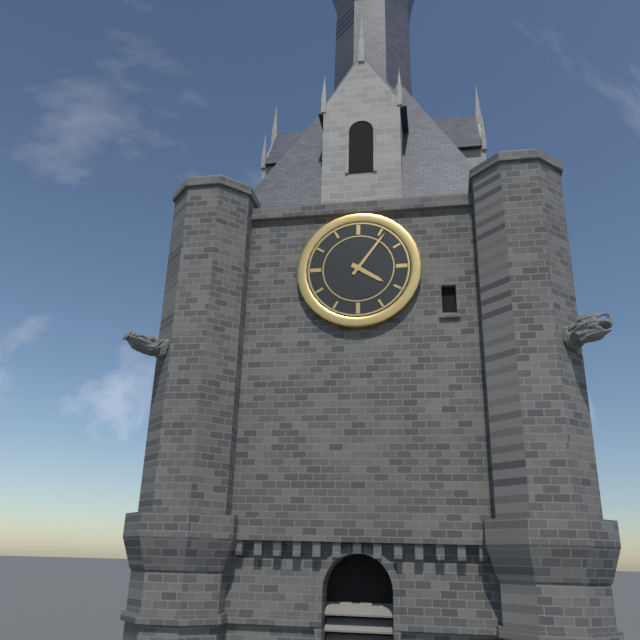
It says 4:06
